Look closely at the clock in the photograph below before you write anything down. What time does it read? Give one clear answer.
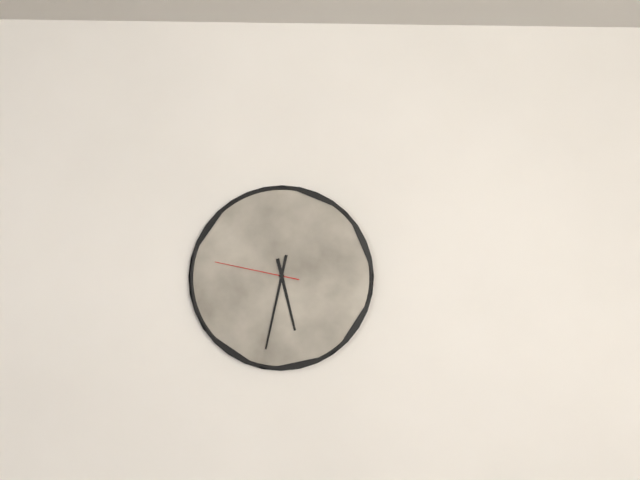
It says 5:32:47
